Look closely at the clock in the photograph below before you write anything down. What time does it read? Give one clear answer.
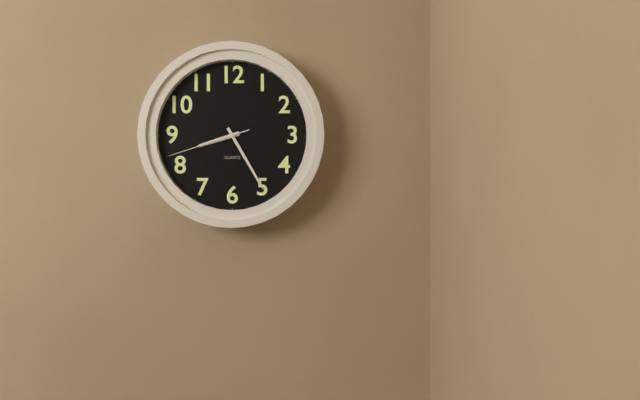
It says 8:25:42
